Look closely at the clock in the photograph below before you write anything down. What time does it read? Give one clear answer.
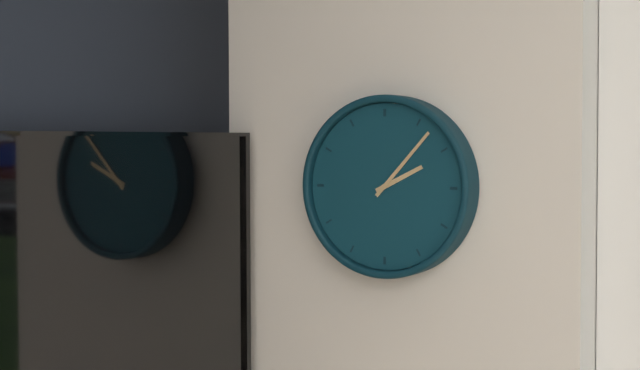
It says 2:07
